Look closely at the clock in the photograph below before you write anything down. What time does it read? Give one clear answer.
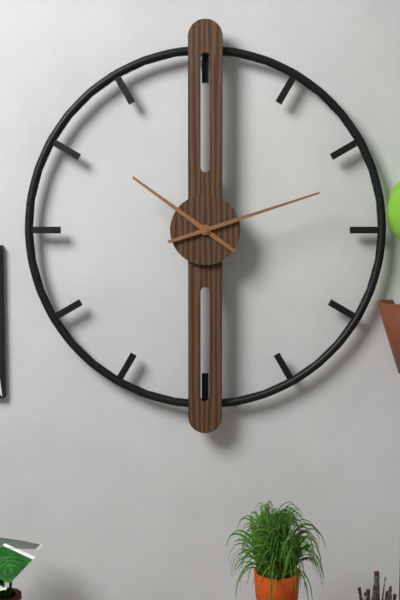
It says 10:12
